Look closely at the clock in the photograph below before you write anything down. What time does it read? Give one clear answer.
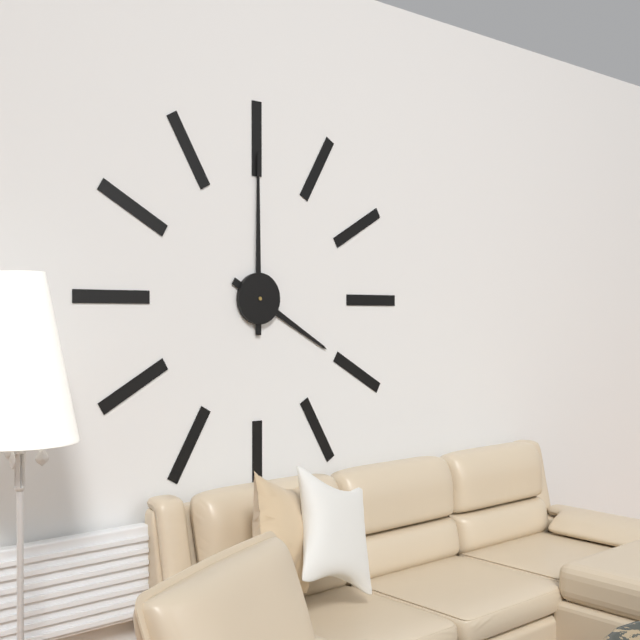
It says 4:00
